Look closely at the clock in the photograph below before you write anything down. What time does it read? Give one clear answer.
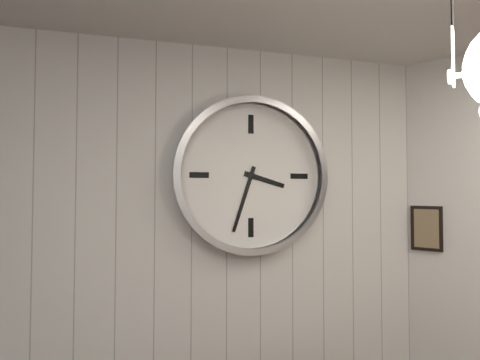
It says 3:33
